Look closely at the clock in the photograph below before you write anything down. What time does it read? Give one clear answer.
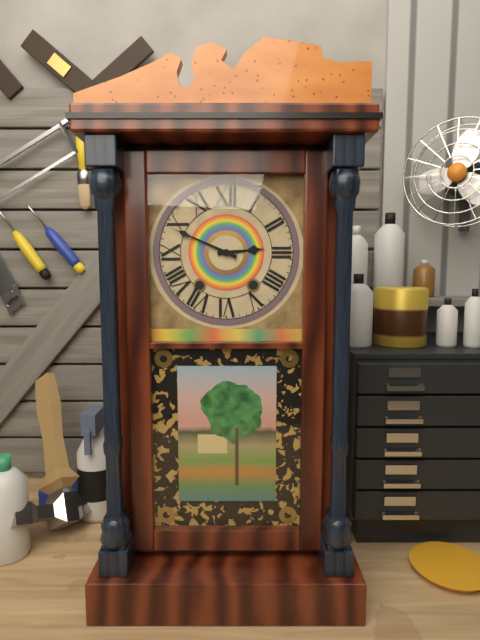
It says 2:49
